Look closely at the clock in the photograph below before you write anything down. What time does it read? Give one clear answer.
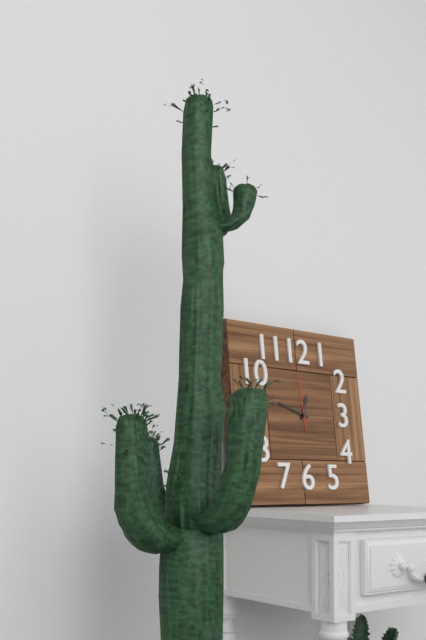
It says 12:48:59
